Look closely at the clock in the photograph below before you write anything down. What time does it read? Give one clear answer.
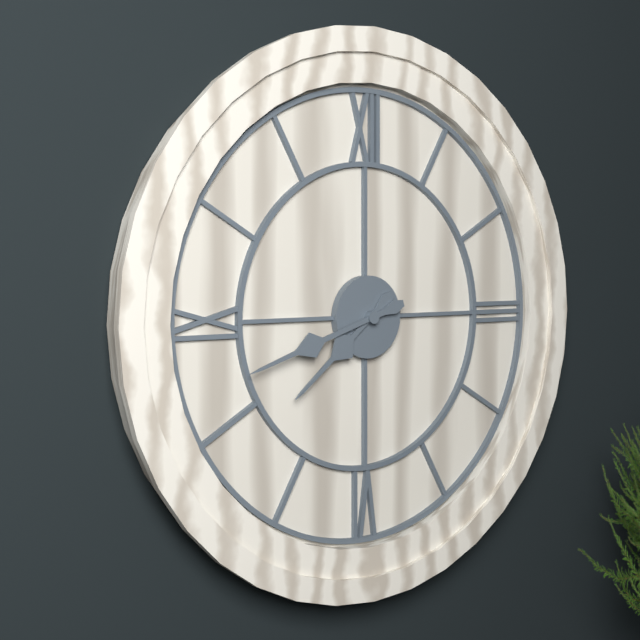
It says 7:42
